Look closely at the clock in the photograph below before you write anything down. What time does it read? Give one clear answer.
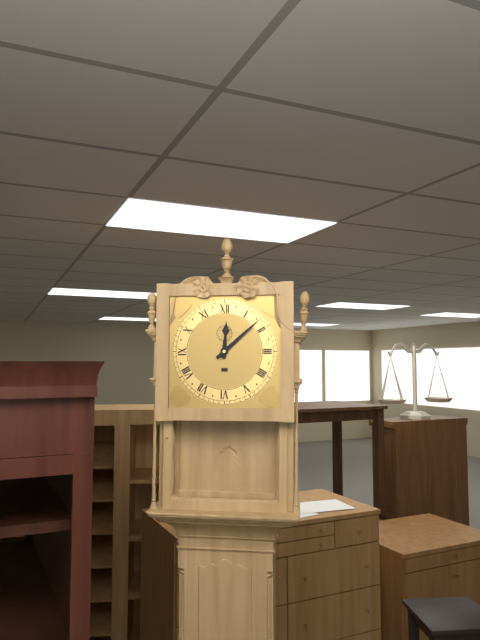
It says 12:08
